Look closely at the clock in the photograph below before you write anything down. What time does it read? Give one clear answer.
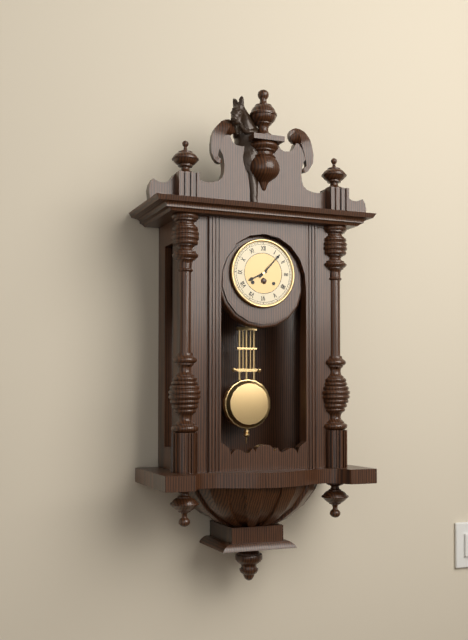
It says 8:07
